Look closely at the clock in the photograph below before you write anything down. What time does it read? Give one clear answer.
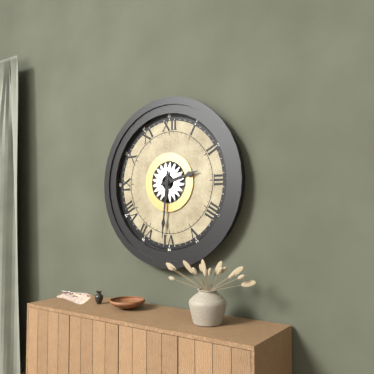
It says 2:31
